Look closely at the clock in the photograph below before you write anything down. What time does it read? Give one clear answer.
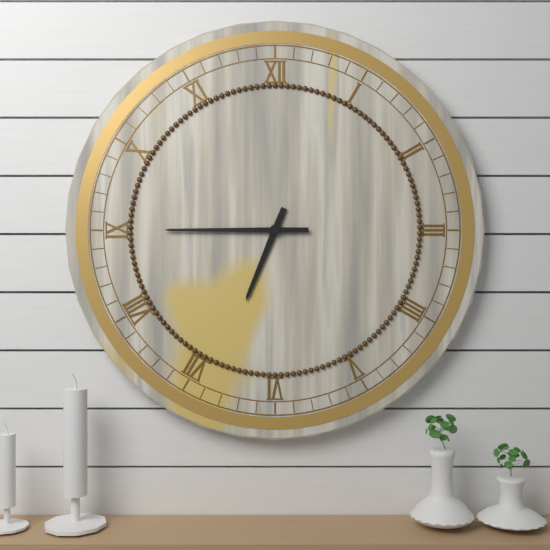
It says 6:45
